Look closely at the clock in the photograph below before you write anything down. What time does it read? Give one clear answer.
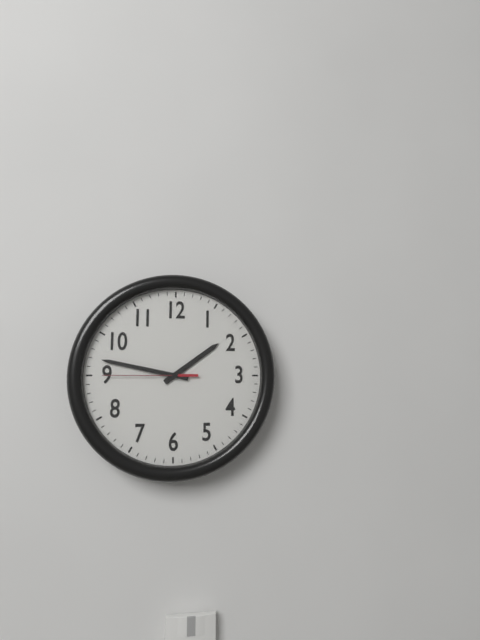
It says 1:47:45
